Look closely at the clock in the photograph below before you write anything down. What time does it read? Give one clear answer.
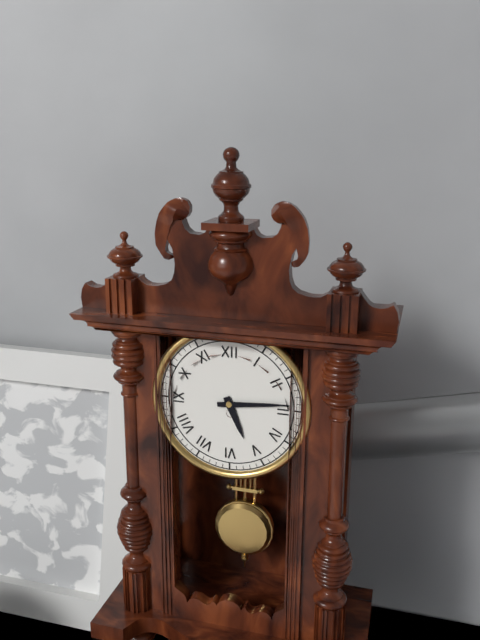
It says 5:14
